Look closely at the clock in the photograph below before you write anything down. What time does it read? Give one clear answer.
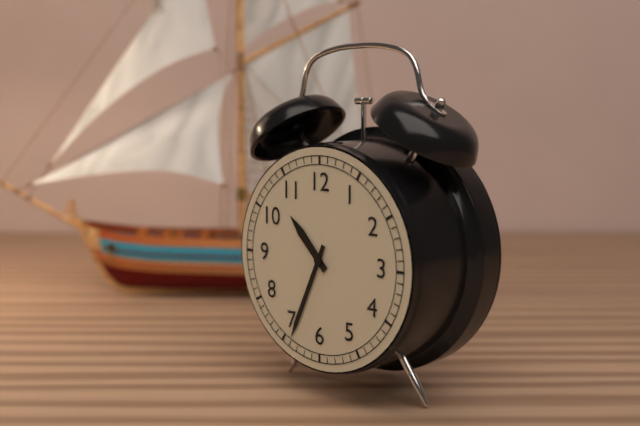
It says 10:34
